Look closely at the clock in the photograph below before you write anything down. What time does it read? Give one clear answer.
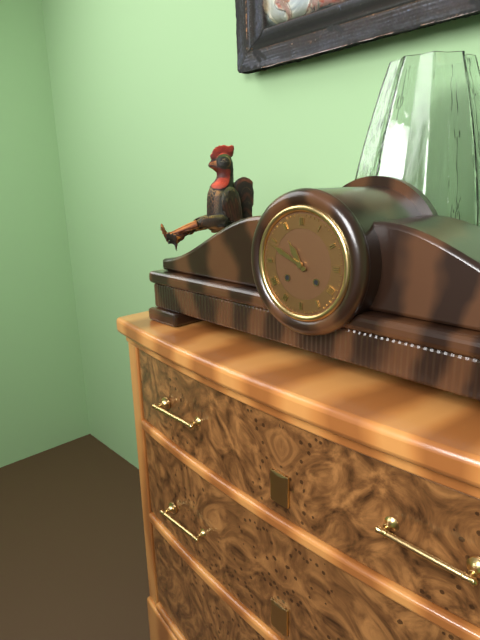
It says 10:49
